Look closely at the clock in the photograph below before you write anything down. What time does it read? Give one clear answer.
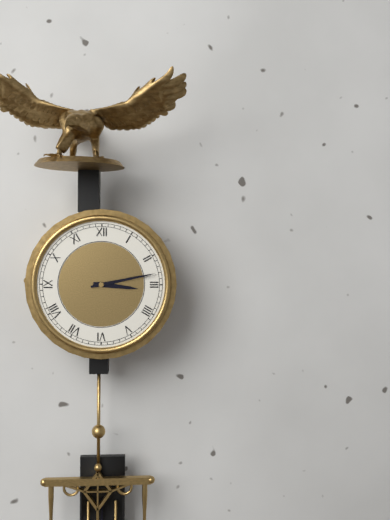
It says 3:13
